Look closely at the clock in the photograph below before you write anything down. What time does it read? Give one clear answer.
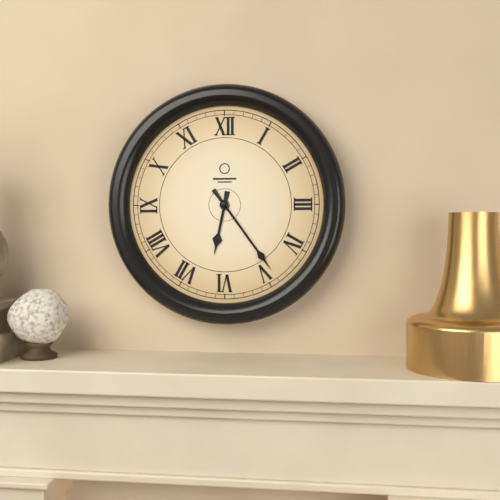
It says 6:24
